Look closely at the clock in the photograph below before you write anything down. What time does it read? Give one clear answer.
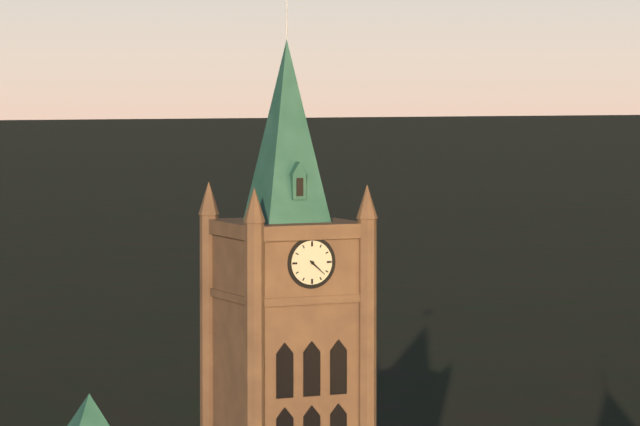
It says 4:22
